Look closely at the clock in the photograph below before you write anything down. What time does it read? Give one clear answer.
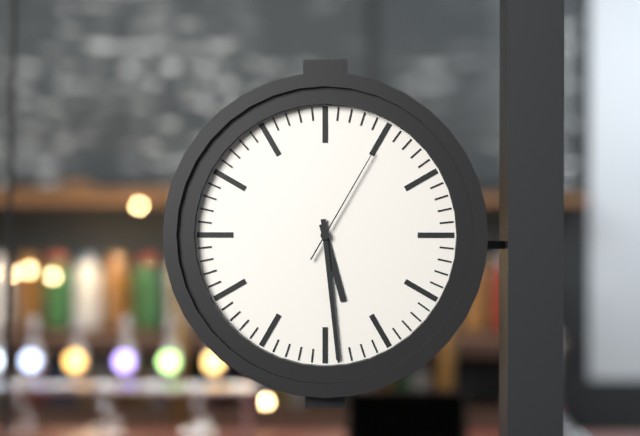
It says 5:29:05
